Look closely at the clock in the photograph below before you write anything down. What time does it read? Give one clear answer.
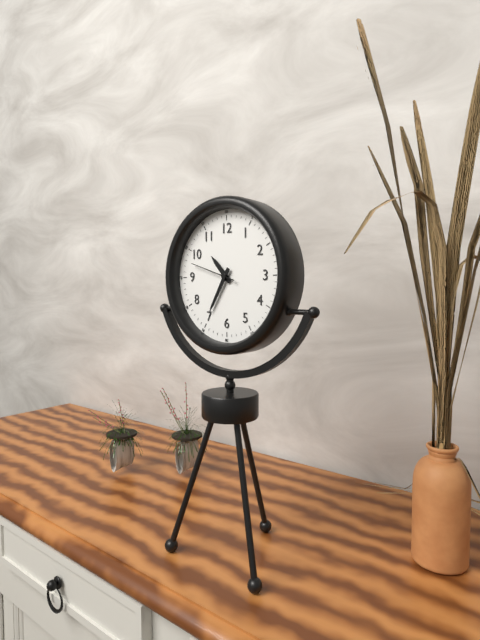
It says 10:35
